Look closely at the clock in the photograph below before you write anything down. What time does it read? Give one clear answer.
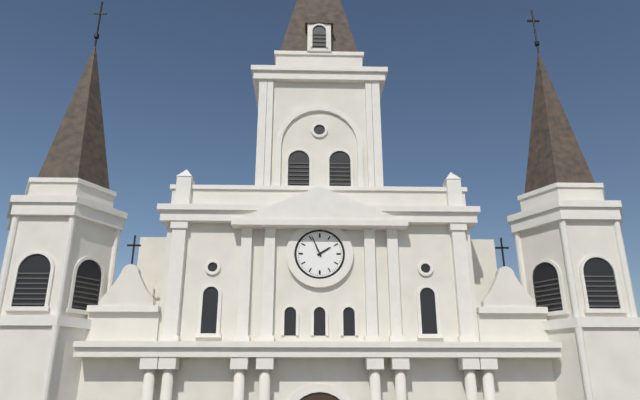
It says 1:56
